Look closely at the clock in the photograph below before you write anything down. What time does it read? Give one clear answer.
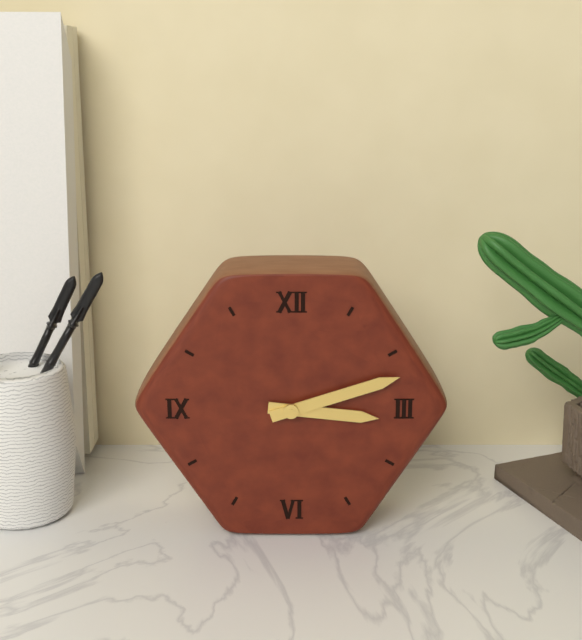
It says 3:12
